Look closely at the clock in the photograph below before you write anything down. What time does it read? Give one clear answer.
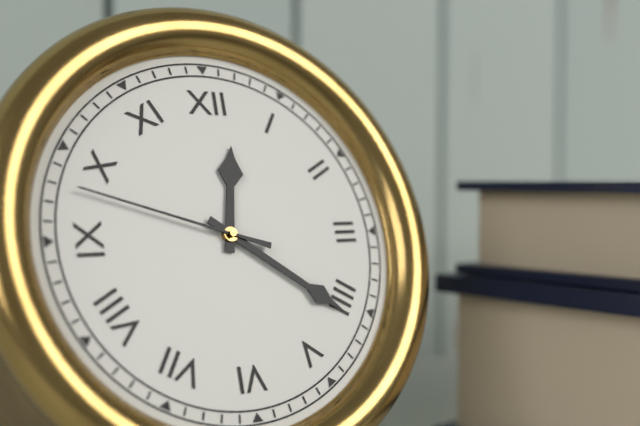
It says 12:21:48
